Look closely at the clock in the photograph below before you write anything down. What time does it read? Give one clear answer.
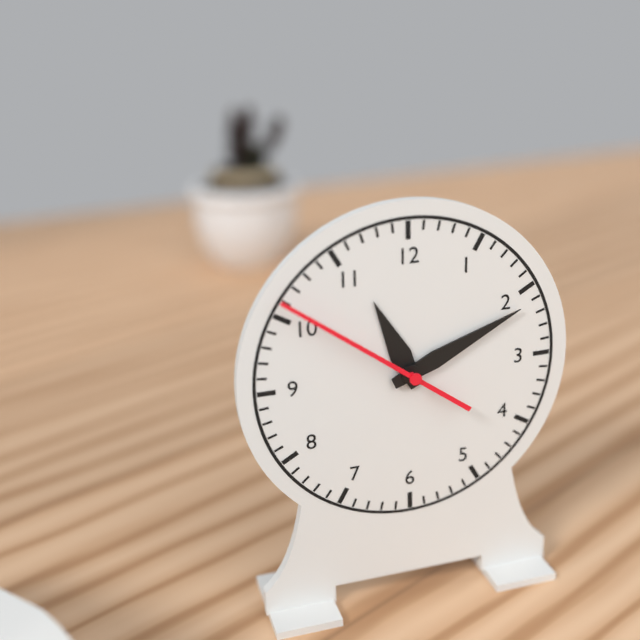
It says 11:11:51
